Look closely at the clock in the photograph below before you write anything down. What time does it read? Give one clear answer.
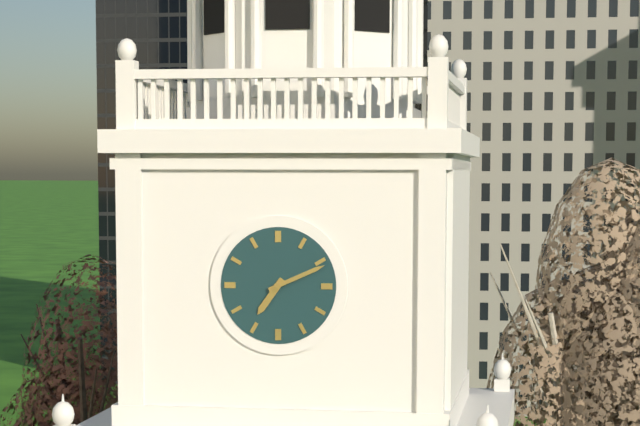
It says 7:11
